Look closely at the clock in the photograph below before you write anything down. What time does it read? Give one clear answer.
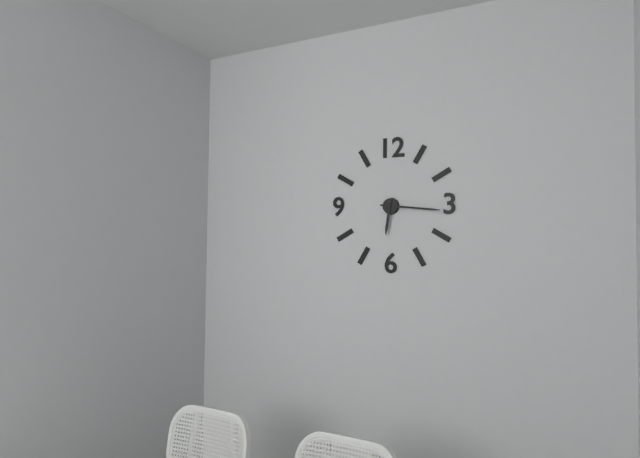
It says 6:16
